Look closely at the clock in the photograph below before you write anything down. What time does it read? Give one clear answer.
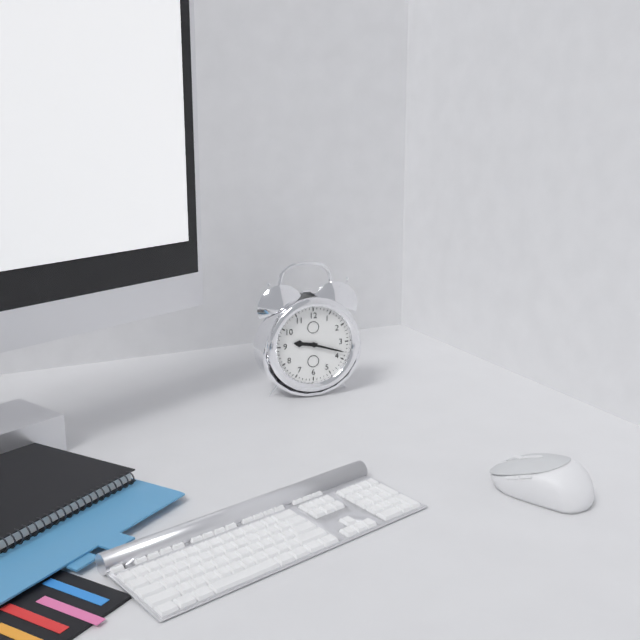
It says 9:18
